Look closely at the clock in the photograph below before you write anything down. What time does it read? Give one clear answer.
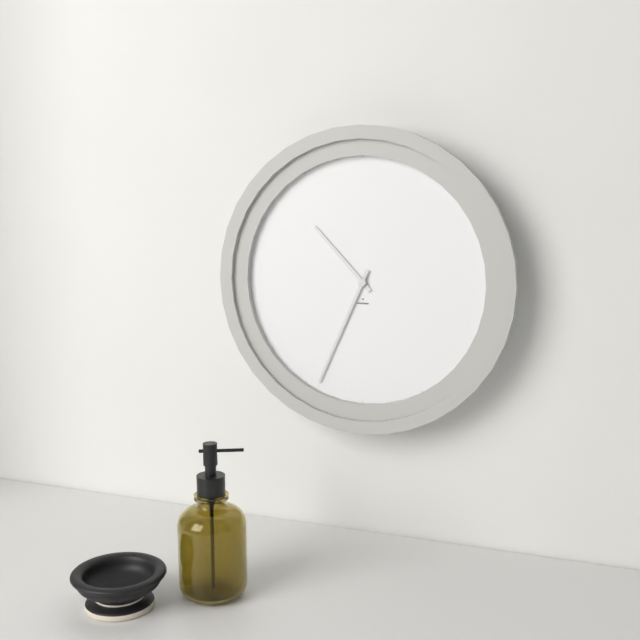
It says 10:34
